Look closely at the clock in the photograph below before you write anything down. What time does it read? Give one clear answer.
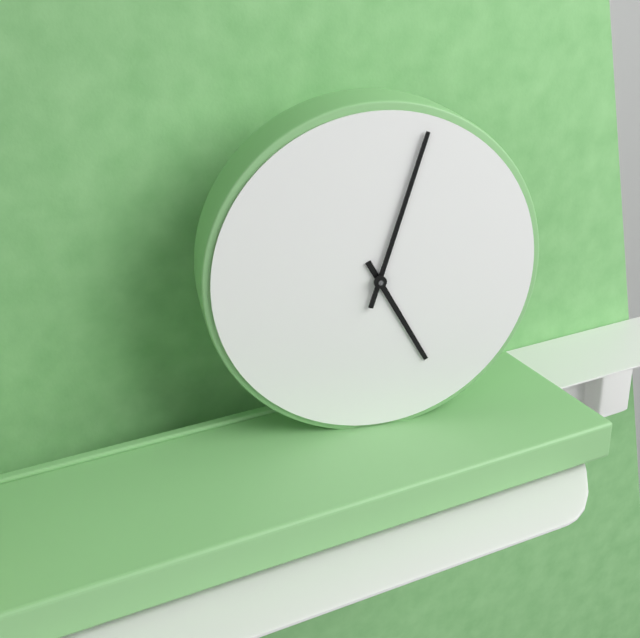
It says 5:03
